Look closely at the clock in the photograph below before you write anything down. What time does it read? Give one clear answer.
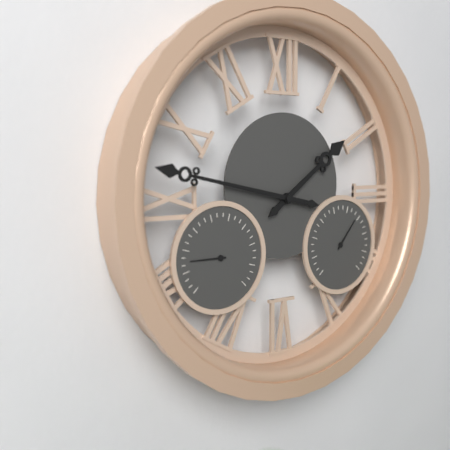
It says 1:47
